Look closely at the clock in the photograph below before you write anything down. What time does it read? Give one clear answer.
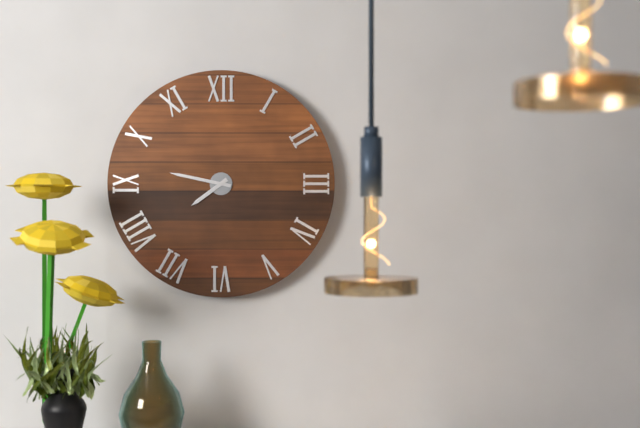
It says 7:47
